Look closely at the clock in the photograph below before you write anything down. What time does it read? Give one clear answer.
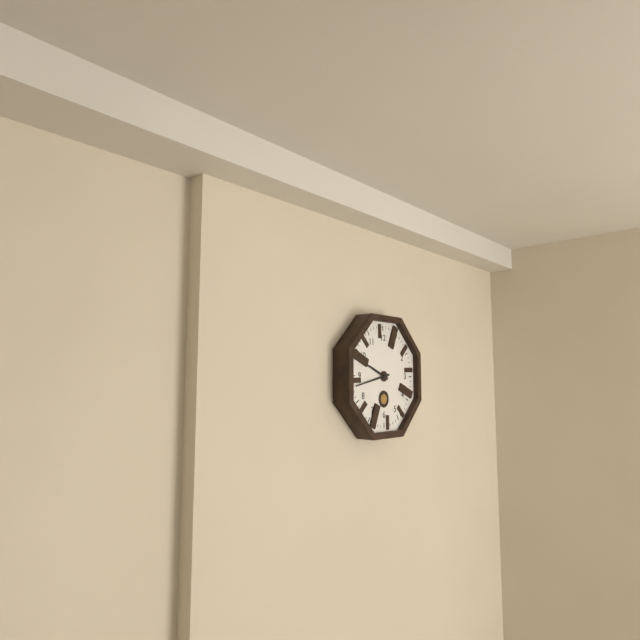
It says 9:43
